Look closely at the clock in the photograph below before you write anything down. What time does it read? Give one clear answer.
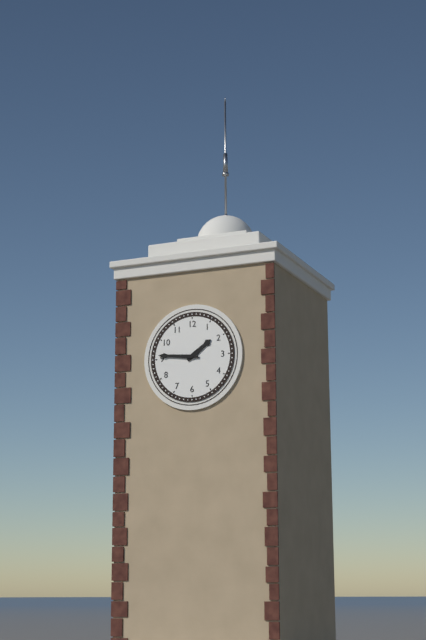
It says 1:46
